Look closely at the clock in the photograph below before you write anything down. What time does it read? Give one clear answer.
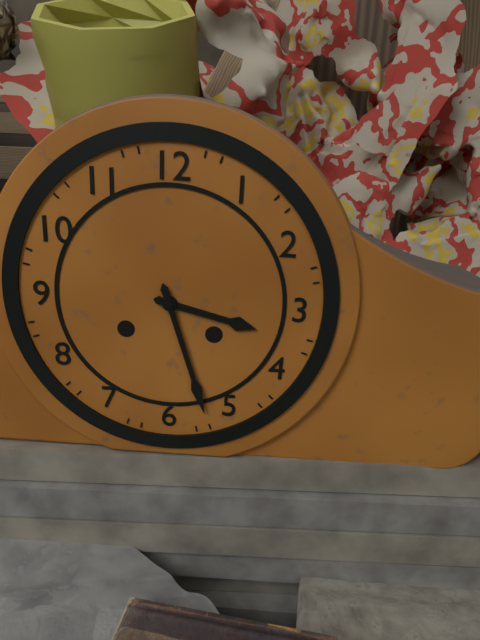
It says 3:27
